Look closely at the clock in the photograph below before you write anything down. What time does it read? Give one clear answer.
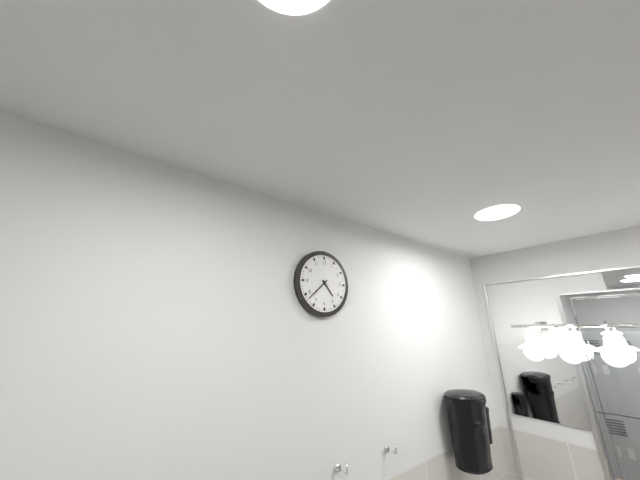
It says 4:38
